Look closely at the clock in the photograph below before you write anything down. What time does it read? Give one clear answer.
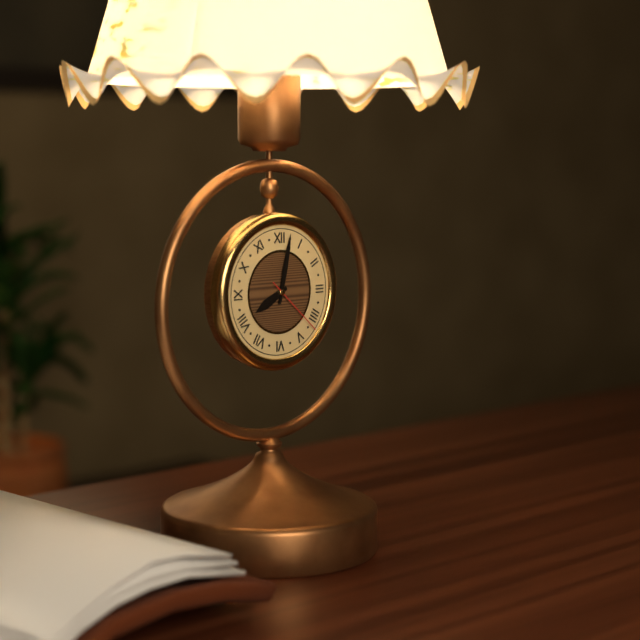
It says 8:02:22
